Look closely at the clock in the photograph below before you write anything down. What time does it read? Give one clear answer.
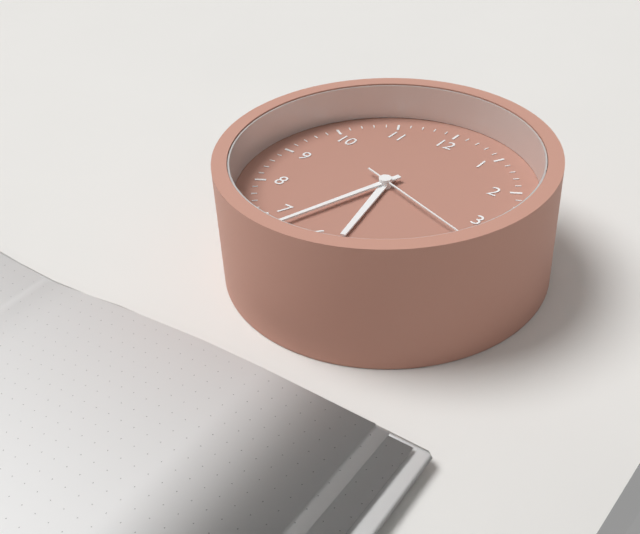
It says 5:33:18
